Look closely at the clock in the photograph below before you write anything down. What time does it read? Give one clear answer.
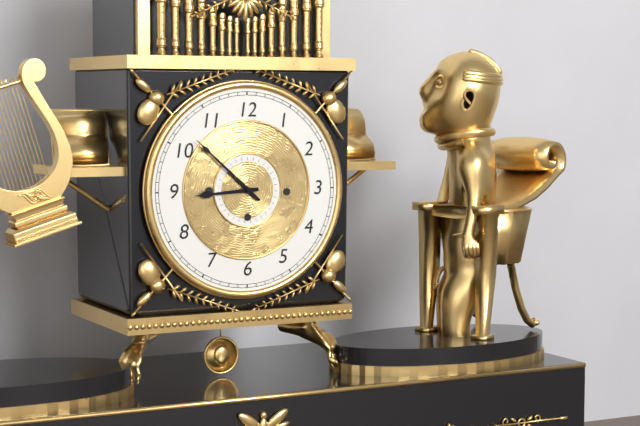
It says 8:52
